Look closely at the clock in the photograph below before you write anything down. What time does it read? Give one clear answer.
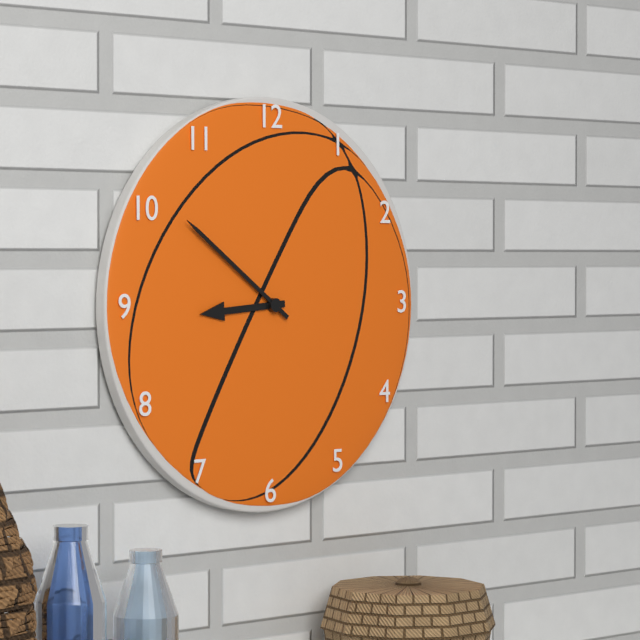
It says 8:51
